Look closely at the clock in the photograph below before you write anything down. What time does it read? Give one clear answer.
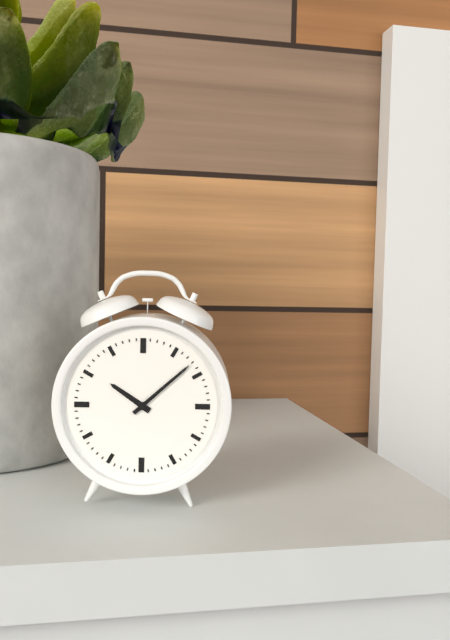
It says 10:08
